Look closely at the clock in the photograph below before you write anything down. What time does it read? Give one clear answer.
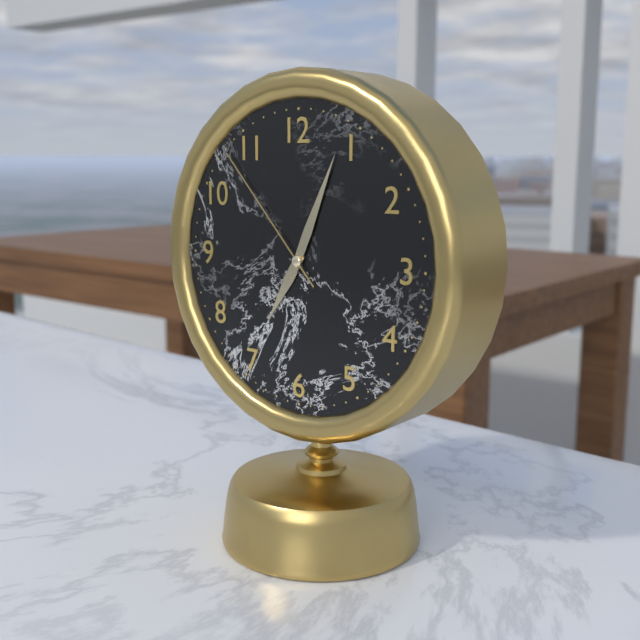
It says 7:04:53
